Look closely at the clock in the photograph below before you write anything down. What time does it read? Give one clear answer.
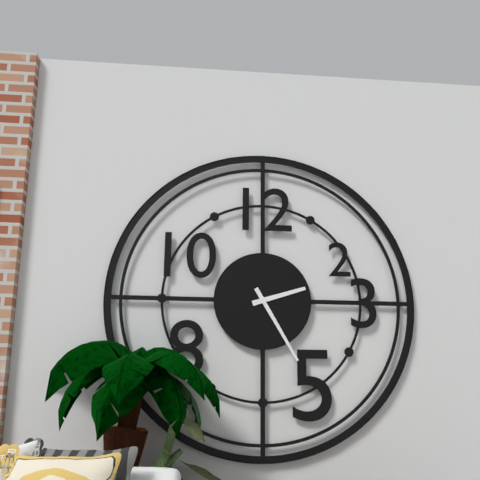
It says 2:25
